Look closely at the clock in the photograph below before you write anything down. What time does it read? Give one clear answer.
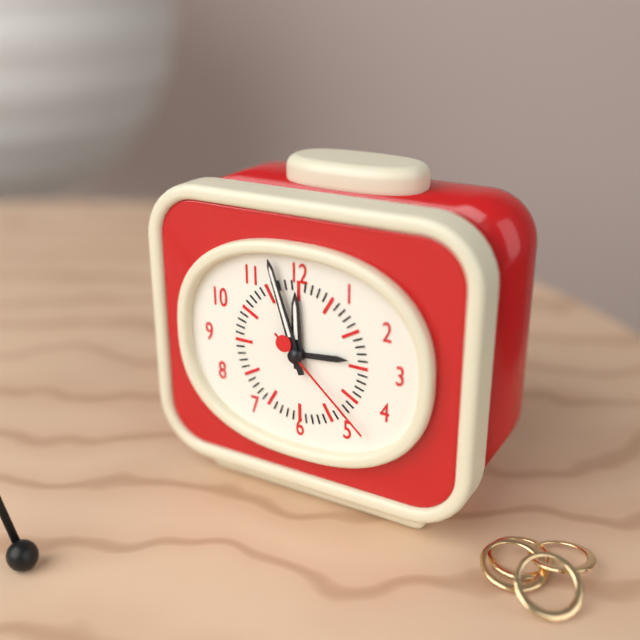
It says 11:57:22
